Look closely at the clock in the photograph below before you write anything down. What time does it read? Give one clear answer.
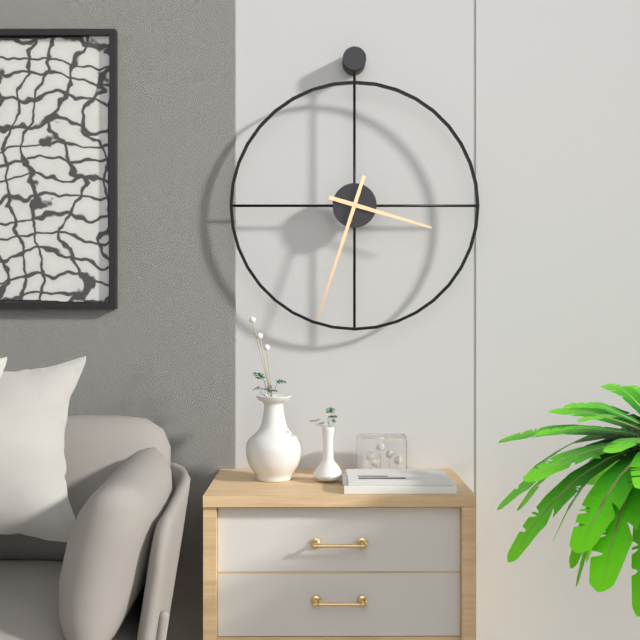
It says 3:33
